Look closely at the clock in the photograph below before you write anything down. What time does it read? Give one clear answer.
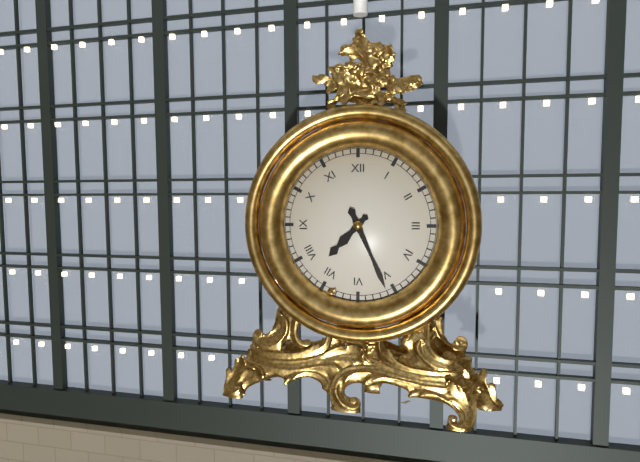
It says 7:26
